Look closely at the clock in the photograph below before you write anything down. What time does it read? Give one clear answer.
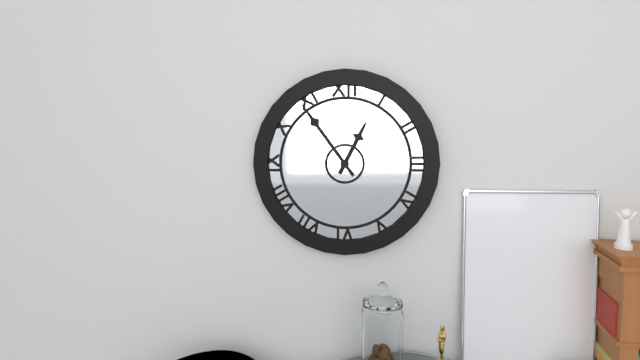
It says 12:54
